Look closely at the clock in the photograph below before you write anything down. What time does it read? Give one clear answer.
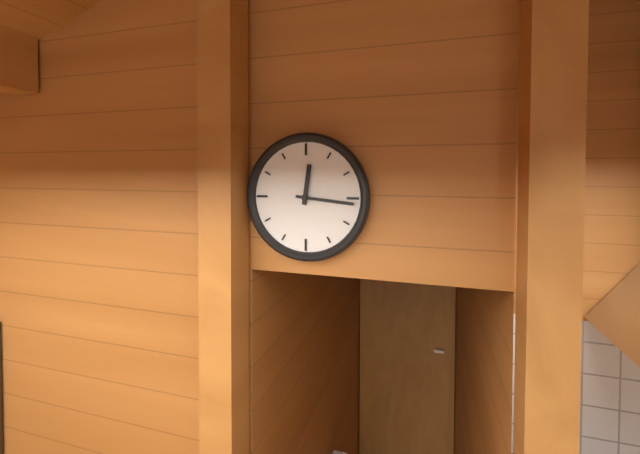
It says 12:16
